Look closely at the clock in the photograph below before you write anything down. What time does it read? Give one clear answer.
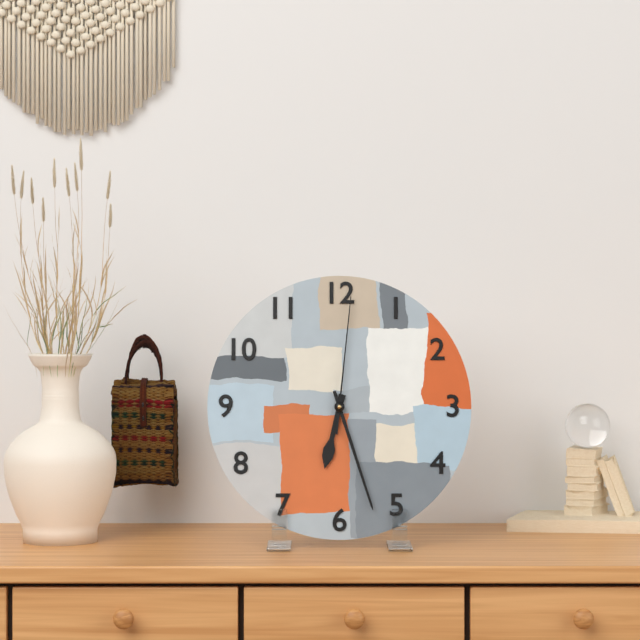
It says 6:27:01
